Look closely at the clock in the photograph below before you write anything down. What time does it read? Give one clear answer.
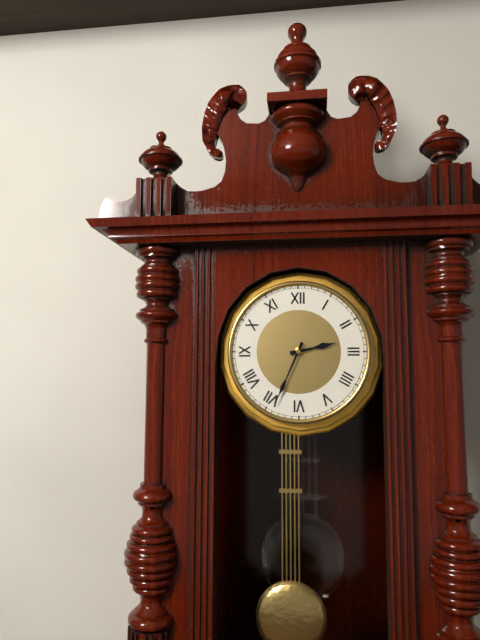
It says 2:34
